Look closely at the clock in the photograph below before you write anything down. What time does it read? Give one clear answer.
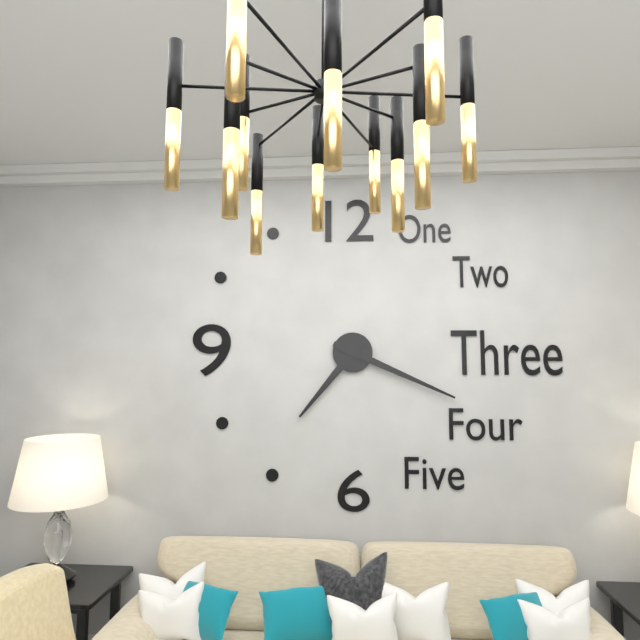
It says 7:19
